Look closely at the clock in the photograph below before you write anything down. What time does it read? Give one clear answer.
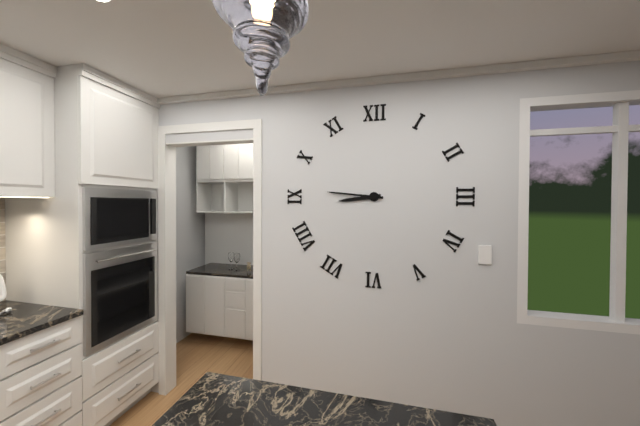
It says 8:46
